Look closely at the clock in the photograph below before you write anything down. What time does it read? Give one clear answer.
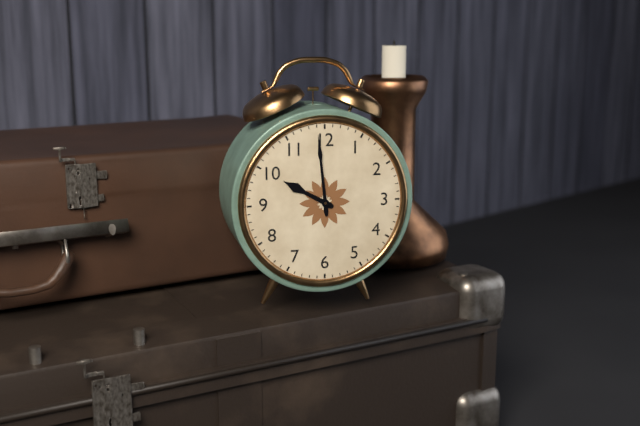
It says 9:59
